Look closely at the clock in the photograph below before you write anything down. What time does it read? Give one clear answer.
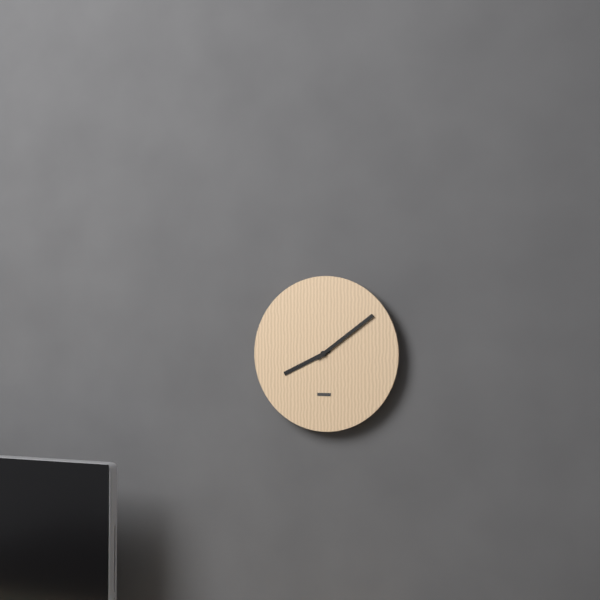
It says 8:09
